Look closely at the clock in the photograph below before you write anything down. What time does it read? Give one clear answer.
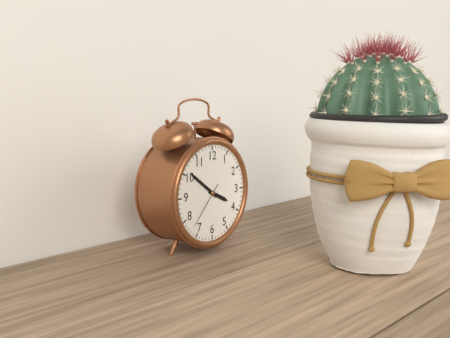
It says 3:51:37
